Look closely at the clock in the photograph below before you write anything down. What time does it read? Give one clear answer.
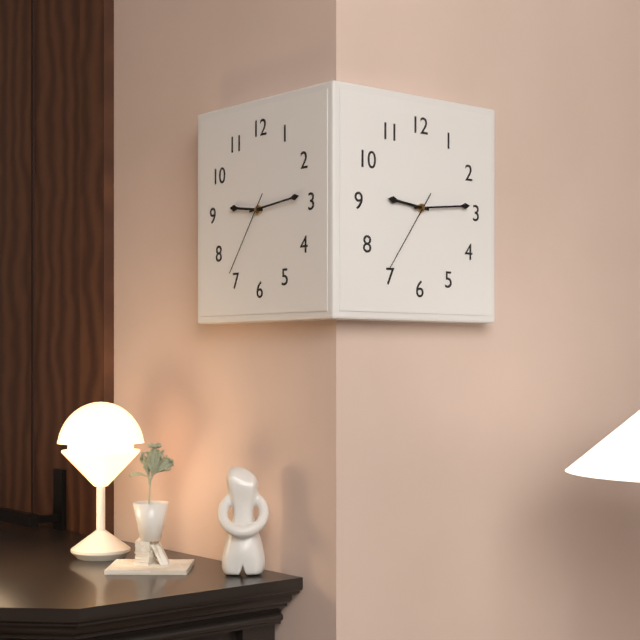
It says 9:14:36
